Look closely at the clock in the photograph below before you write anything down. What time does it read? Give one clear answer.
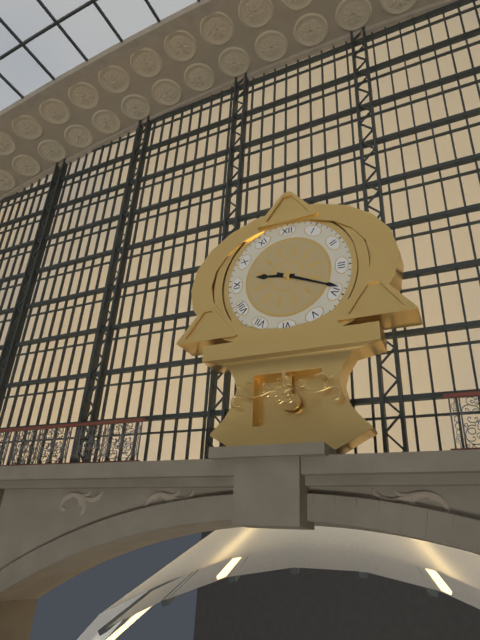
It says 9:19
